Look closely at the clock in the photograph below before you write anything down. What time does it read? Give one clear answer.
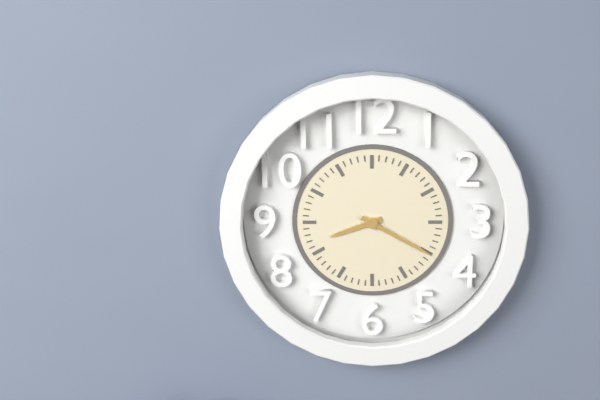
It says 8:20
